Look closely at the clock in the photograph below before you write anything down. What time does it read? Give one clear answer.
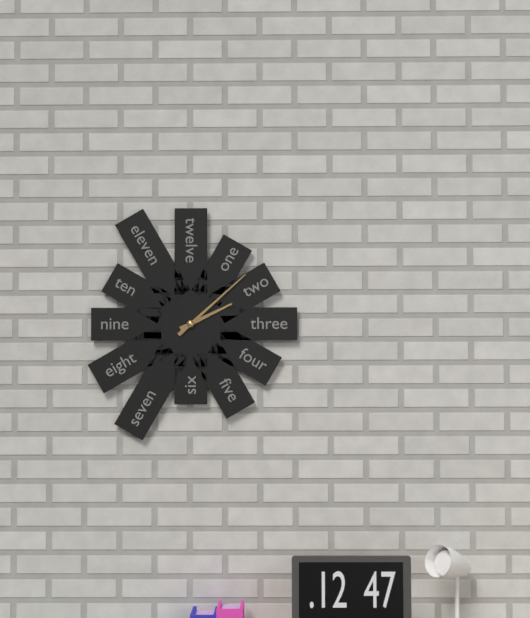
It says 2:08
